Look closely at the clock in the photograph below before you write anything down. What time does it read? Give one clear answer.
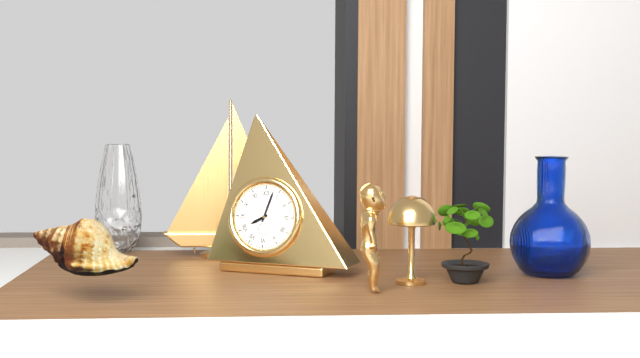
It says 8:03
